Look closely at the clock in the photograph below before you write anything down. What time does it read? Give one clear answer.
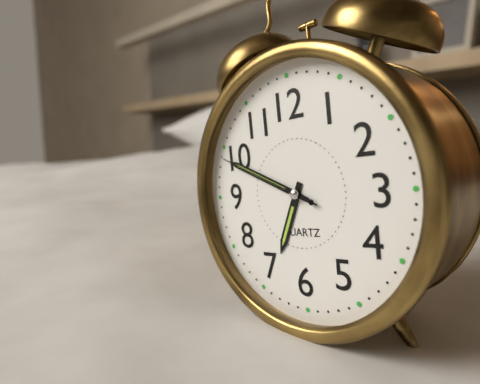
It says 6:49:49
